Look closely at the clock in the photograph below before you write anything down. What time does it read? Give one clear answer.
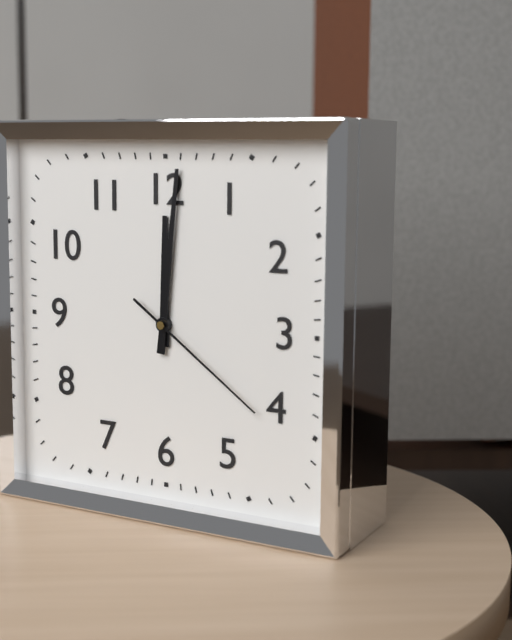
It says 12:01:21
